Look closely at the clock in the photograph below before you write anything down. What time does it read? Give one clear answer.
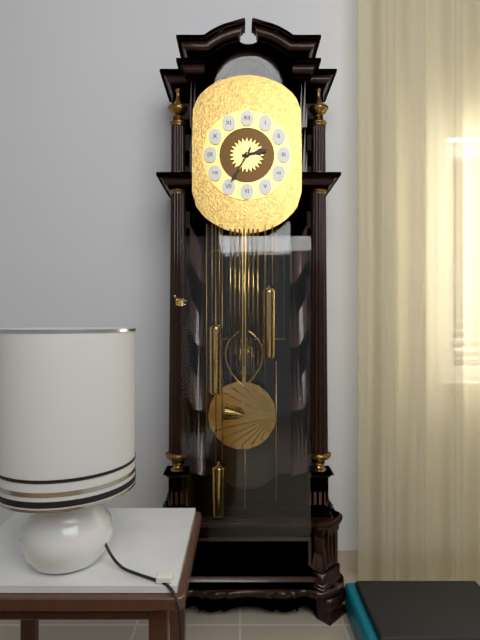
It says 2:35
